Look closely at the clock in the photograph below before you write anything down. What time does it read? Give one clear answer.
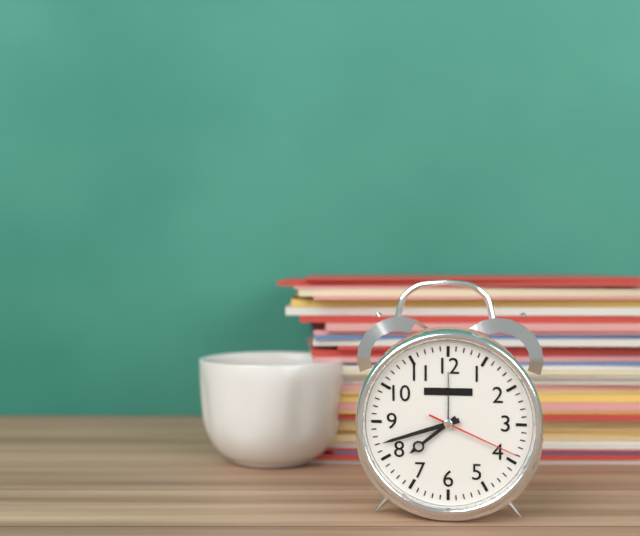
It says 7:42:19
